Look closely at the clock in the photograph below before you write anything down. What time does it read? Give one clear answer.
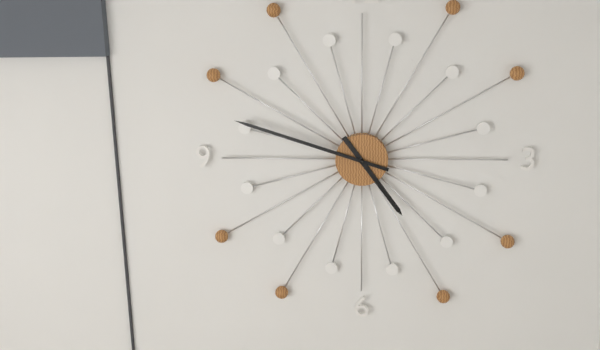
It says 4:48
